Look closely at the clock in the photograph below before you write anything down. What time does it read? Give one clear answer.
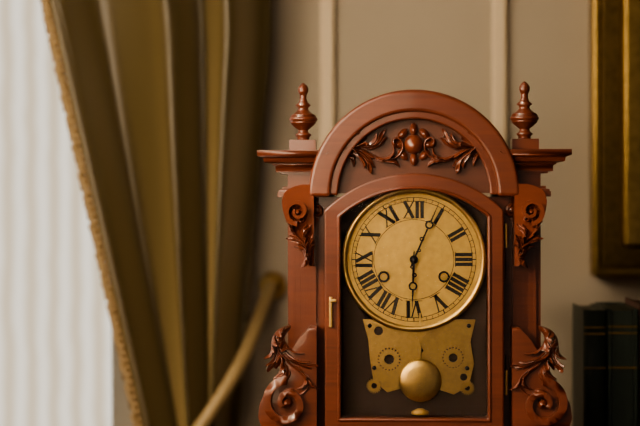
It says 6:04
